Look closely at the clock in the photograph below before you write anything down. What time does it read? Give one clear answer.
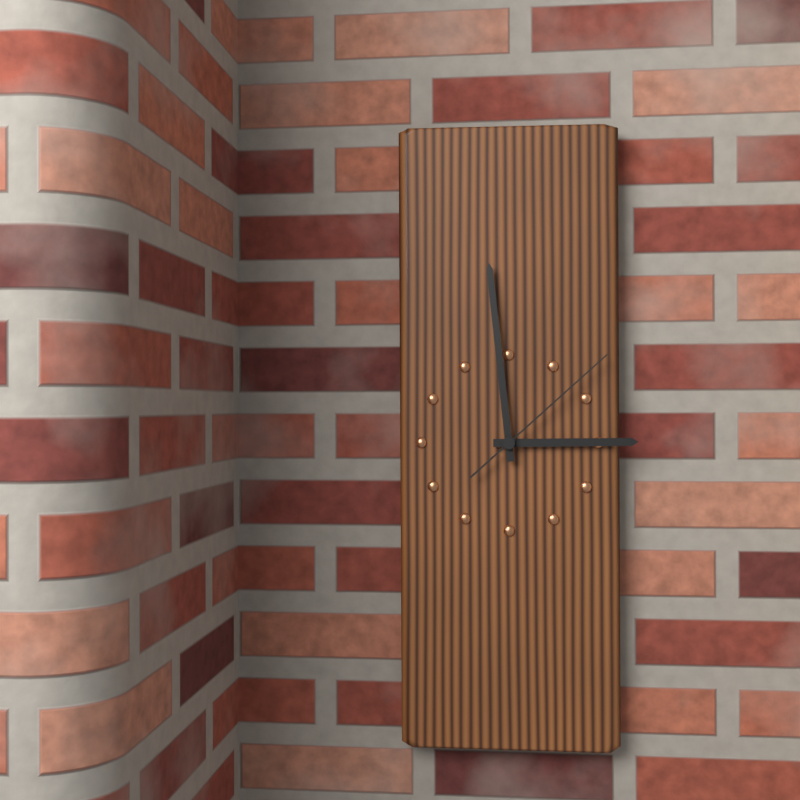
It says 2:59:08
